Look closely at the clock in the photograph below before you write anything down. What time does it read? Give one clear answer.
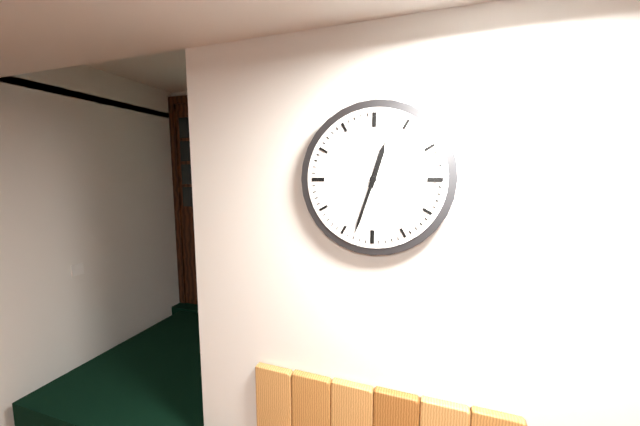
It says 12:33
